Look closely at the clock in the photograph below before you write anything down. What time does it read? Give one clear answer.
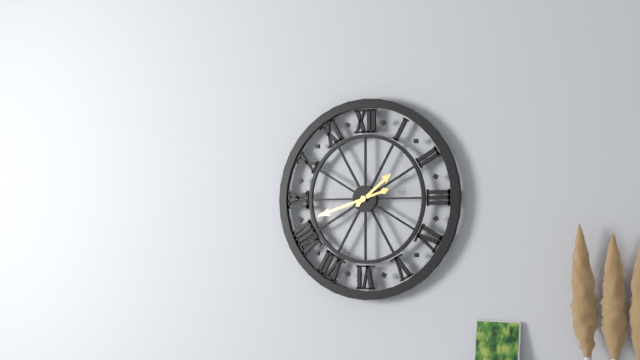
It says 1:42
